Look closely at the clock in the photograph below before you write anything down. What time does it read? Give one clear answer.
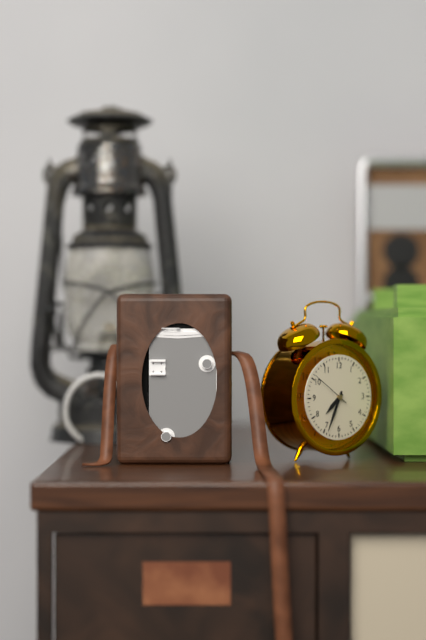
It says 7:34
